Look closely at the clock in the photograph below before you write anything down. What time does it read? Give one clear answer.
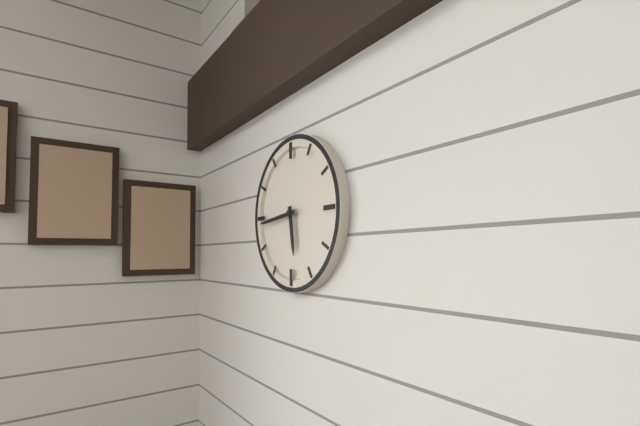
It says 5:44
